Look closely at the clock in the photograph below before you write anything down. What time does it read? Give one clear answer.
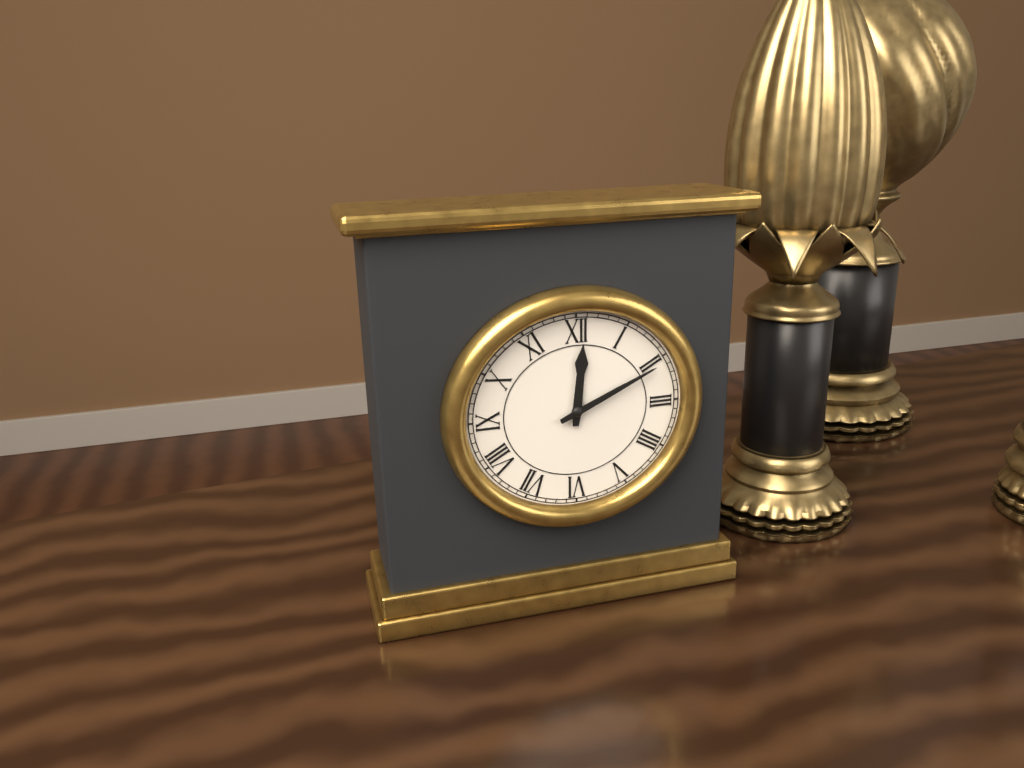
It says 12:11
